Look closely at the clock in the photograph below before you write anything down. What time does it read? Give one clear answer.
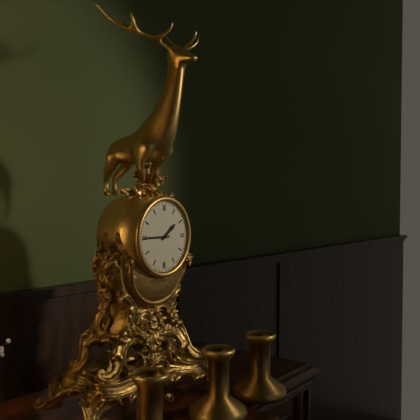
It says 1:45
